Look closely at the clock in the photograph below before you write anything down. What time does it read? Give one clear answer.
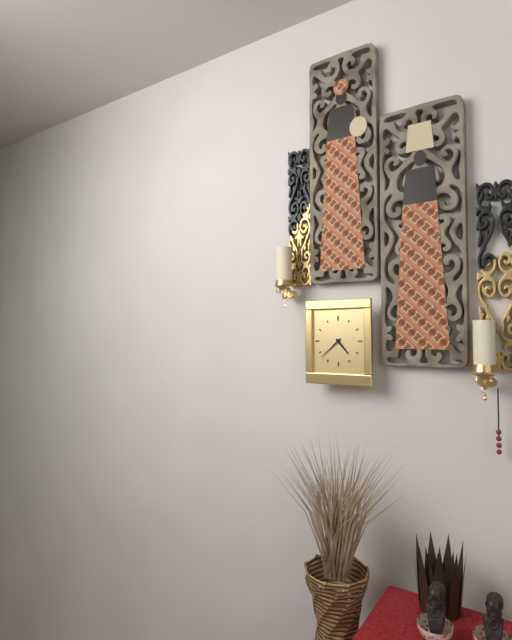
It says 4:38
